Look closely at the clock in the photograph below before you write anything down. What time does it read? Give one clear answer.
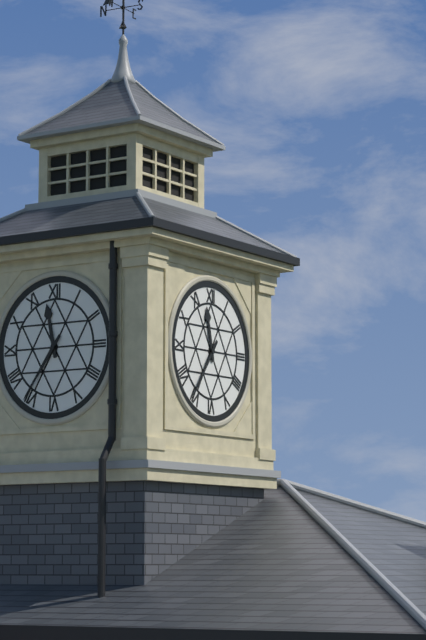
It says 11:36
